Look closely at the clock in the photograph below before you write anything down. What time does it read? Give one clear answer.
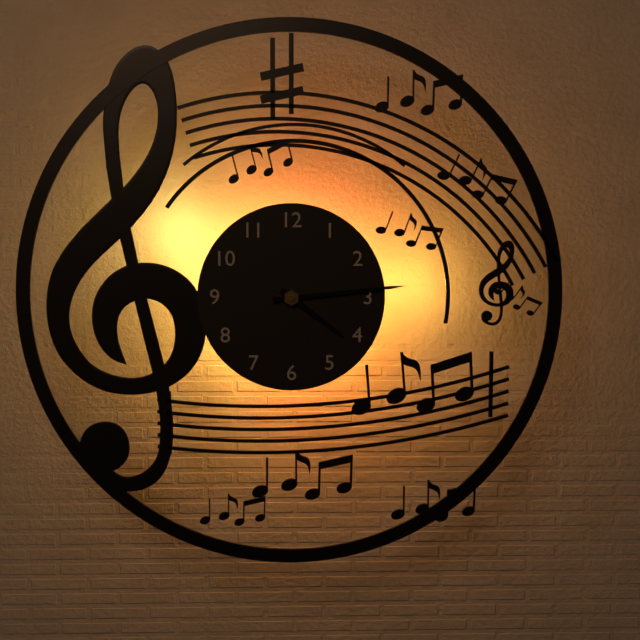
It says 4:14
